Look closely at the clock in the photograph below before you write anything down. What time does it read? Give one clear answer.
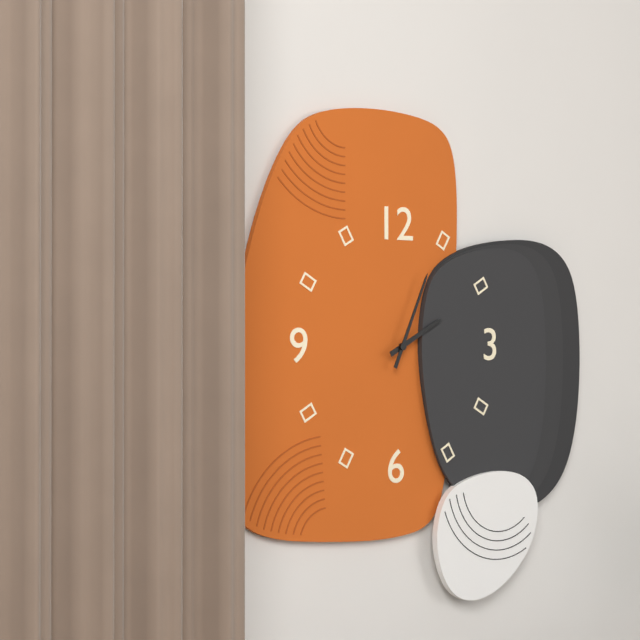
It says 2:04
